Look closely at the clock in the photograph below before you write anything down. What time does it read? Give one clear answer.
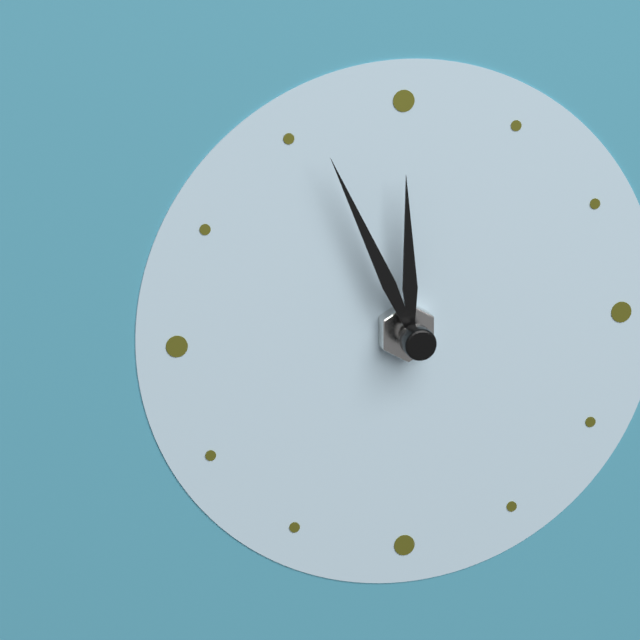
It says 11:56
